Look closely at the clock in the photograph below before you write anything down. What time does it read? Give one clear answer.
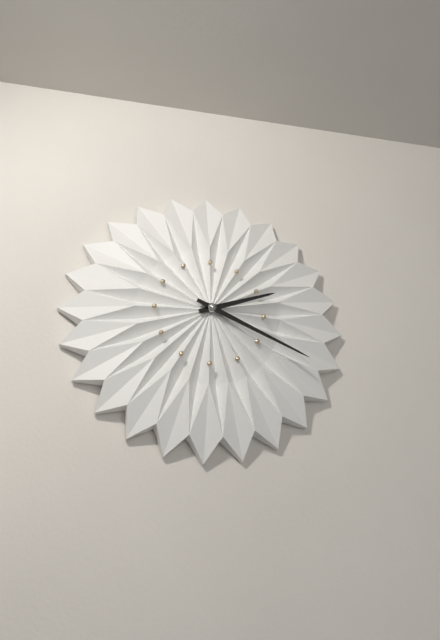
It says 2:19
